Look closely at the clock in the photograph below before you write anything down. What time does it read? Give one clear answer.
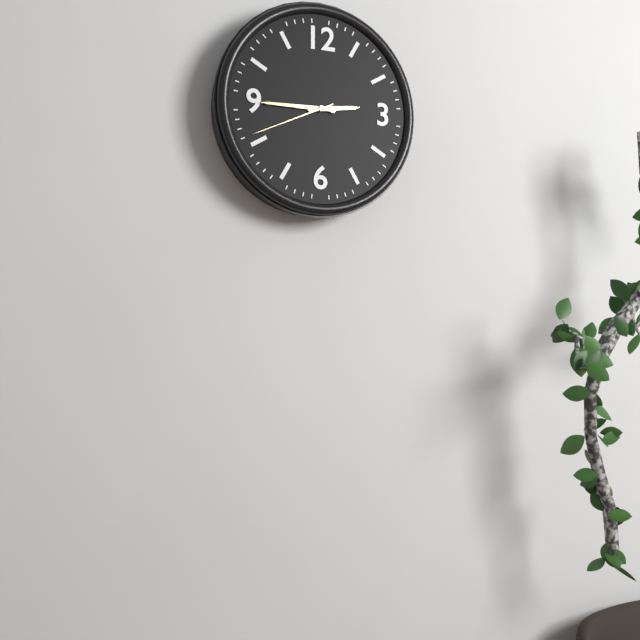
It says 2:45:41
